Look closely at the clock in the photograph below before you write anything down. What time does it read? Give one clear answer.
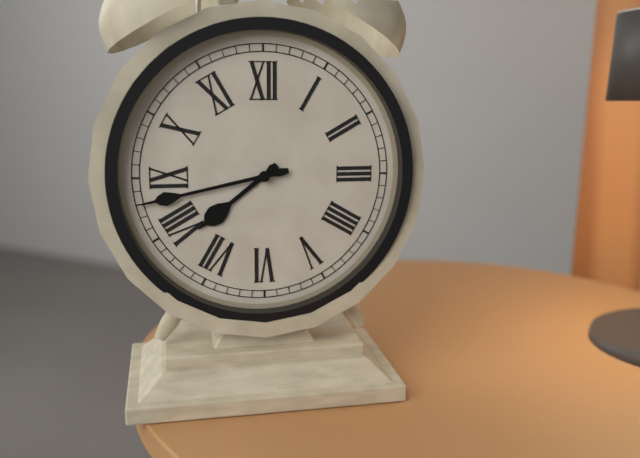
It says 7:43
